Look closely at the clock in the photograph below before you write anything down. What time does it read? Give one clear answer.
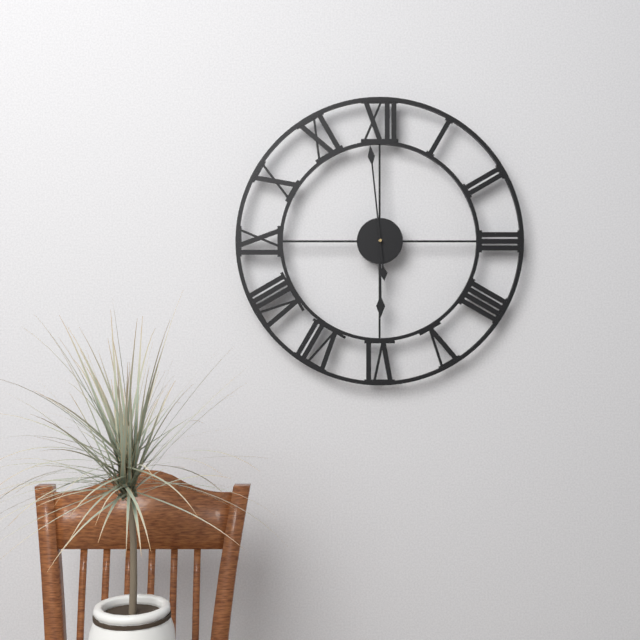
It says 5:59
